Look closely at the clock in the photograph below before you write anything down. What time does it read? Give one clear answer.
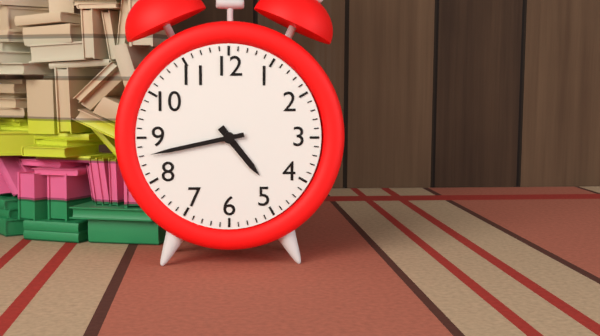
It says 4:43
